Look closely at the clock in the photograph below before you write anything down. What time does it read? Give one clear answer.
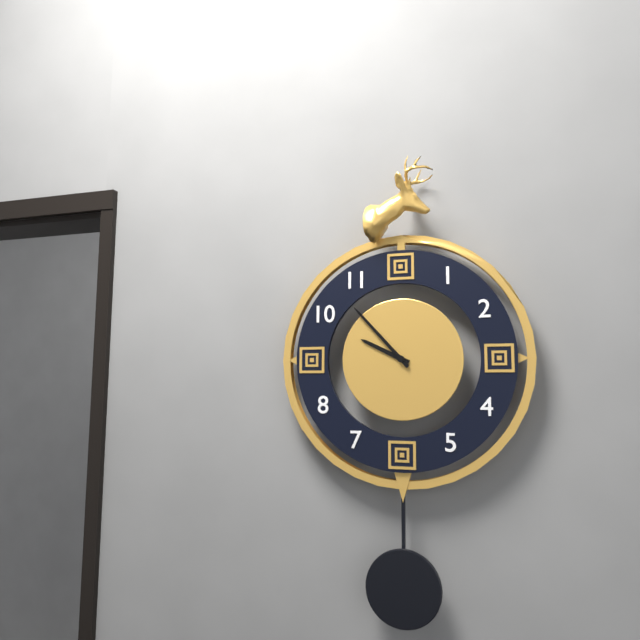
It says 9:53
